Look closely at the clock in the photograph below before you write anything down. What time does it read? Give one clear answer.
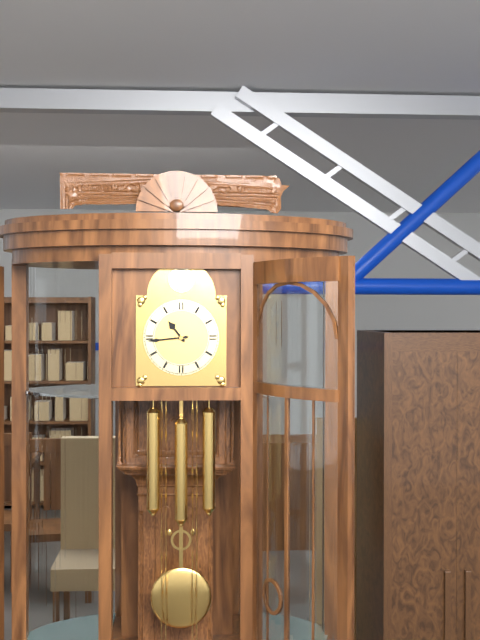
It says 10:44
